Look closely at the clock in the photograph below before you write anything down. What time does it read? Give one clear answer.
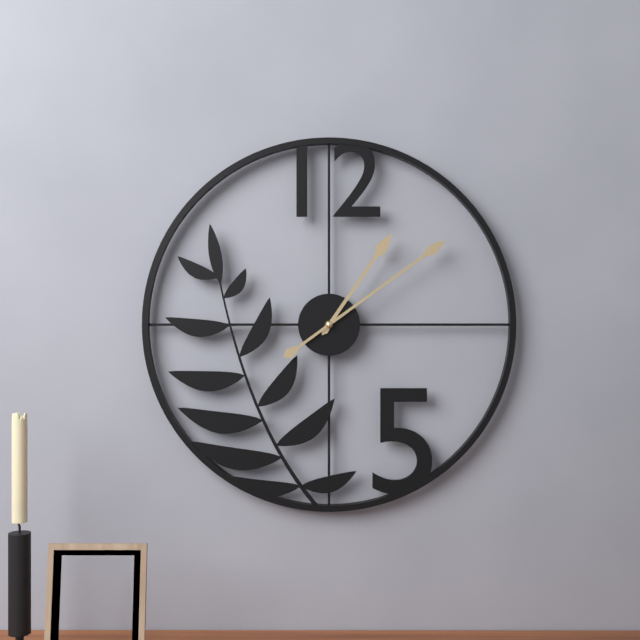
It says 1:09
